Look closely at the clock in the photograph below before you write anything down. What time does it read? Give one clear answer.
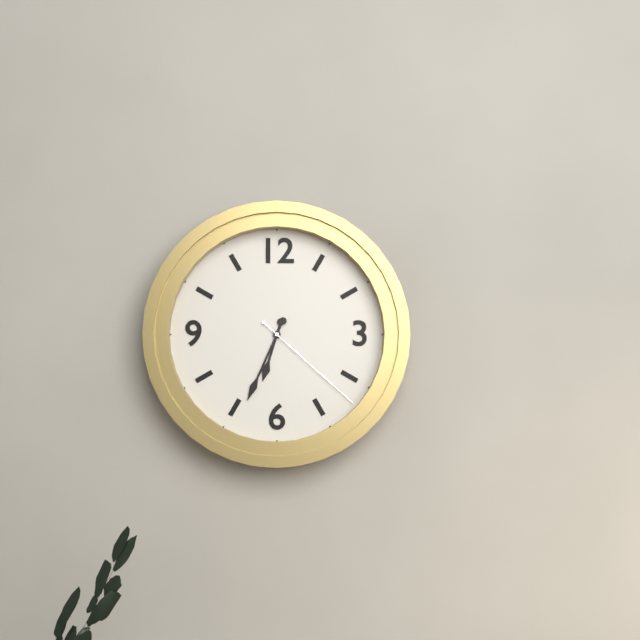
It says 6:34:22
